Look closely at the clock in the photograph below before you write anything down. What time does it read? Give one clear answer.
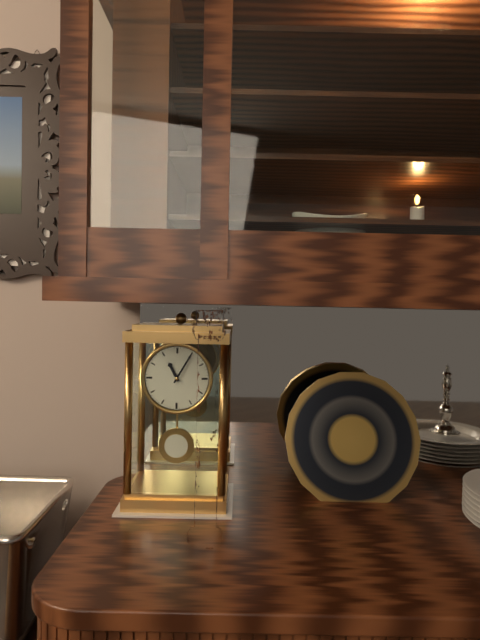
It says 11:05
